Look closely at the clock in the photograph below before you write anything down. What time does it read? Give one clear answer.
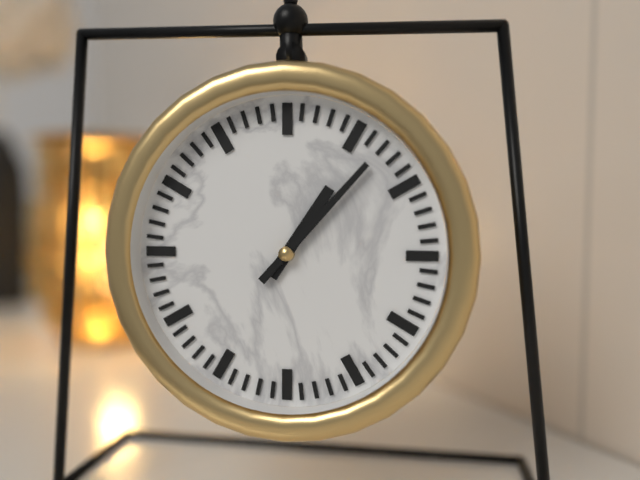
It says 1:07
